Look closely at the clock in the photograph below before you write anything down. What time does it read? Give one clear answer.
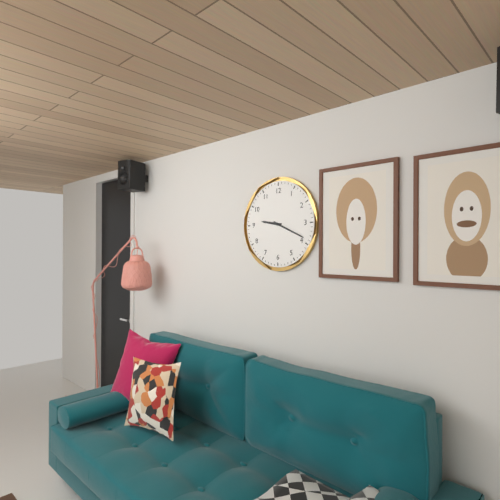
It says 9:19
